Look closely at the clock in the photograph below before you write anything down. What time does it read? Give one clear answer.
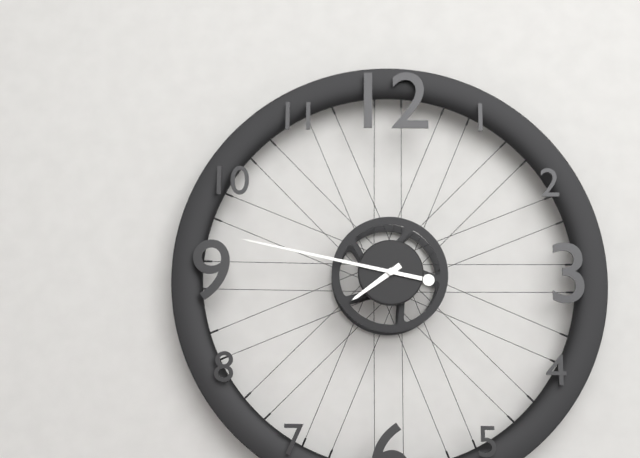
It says 7:47
